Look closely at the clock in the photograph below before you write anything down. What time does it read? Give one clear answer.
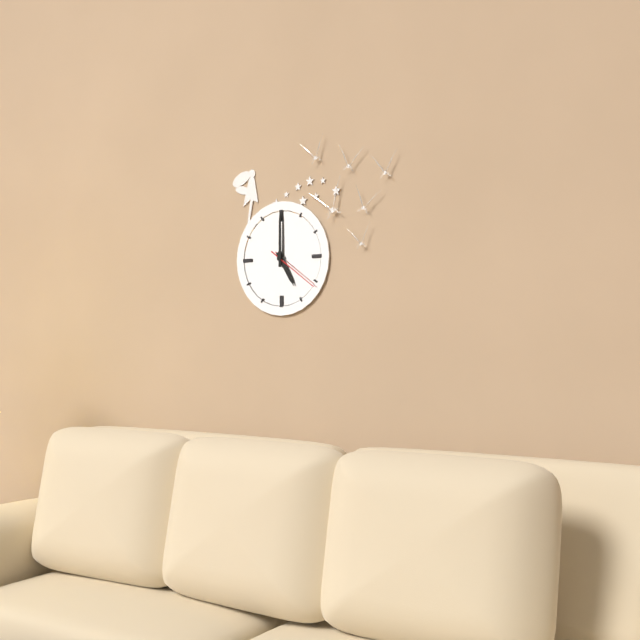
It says 5:00:21
